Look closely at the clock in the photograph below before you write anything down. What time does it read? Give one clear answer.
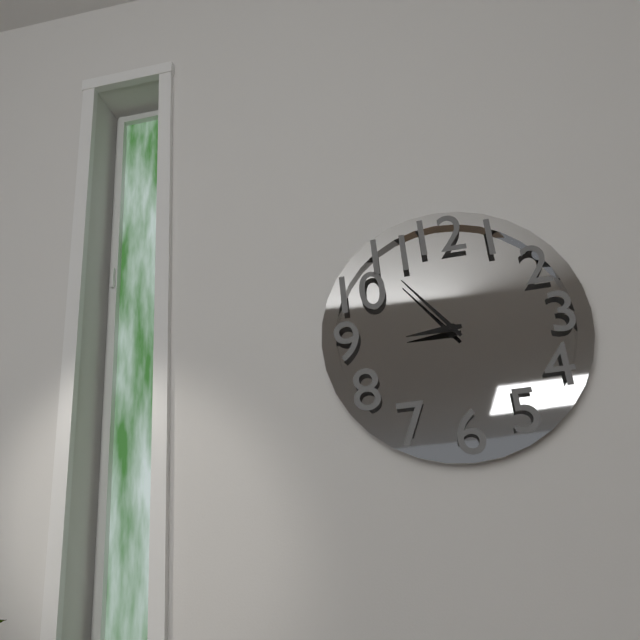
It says 8:54
